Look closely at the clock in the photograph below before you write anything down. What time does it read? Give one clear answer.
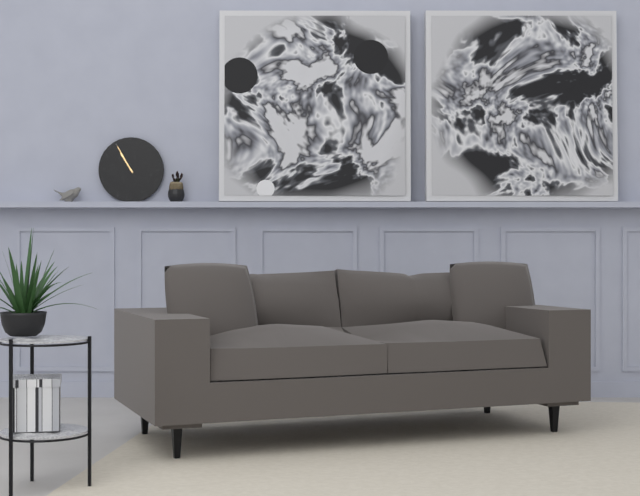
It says 10:55
